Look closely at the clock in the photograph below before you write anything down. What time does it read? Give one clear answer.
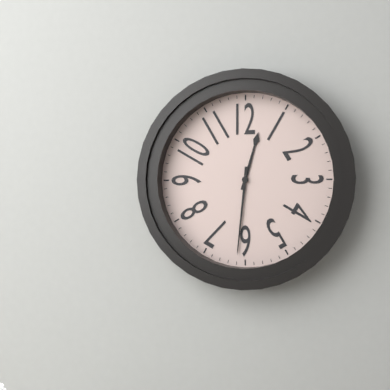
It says 12:31
